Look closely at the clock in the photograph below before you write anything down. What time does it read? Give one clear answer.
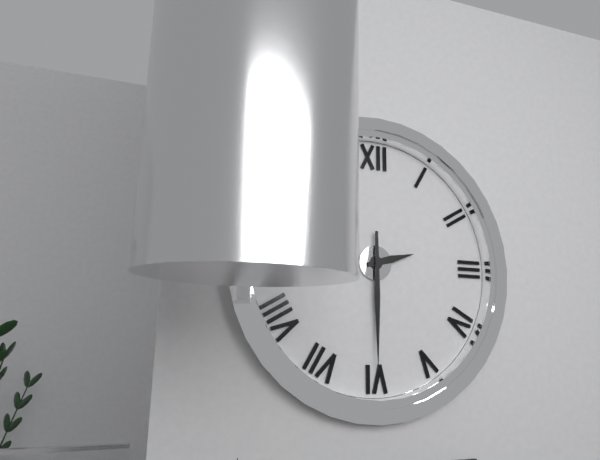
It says 2:30
